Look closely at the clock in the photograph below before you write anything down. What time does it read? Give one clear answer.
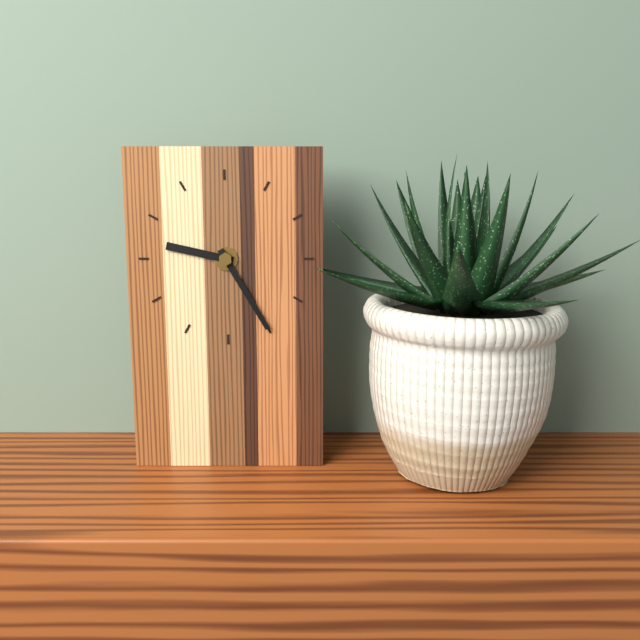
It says 9:25
